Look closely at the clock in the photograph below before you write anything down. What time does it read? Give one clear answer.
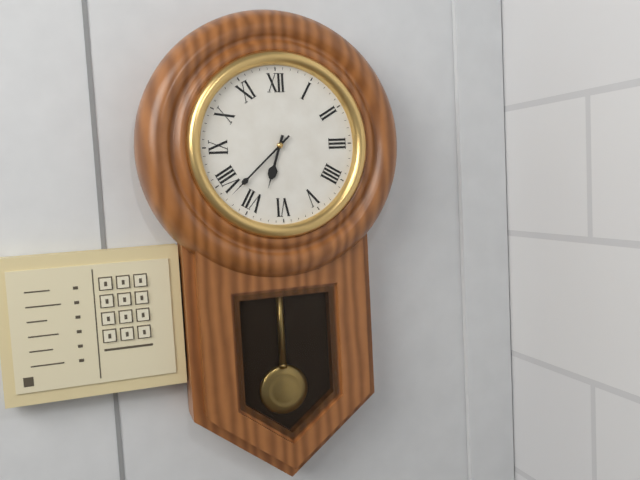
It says 6:38
